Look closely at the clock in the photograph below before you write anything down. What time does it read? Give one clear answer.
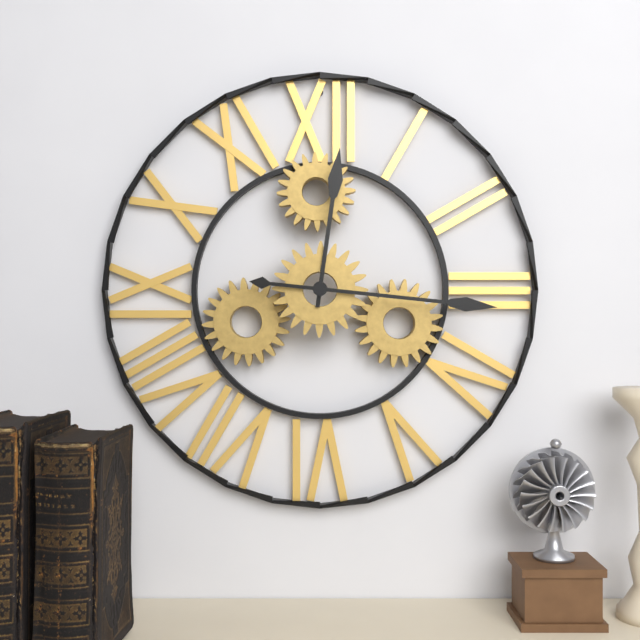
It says 12:16
